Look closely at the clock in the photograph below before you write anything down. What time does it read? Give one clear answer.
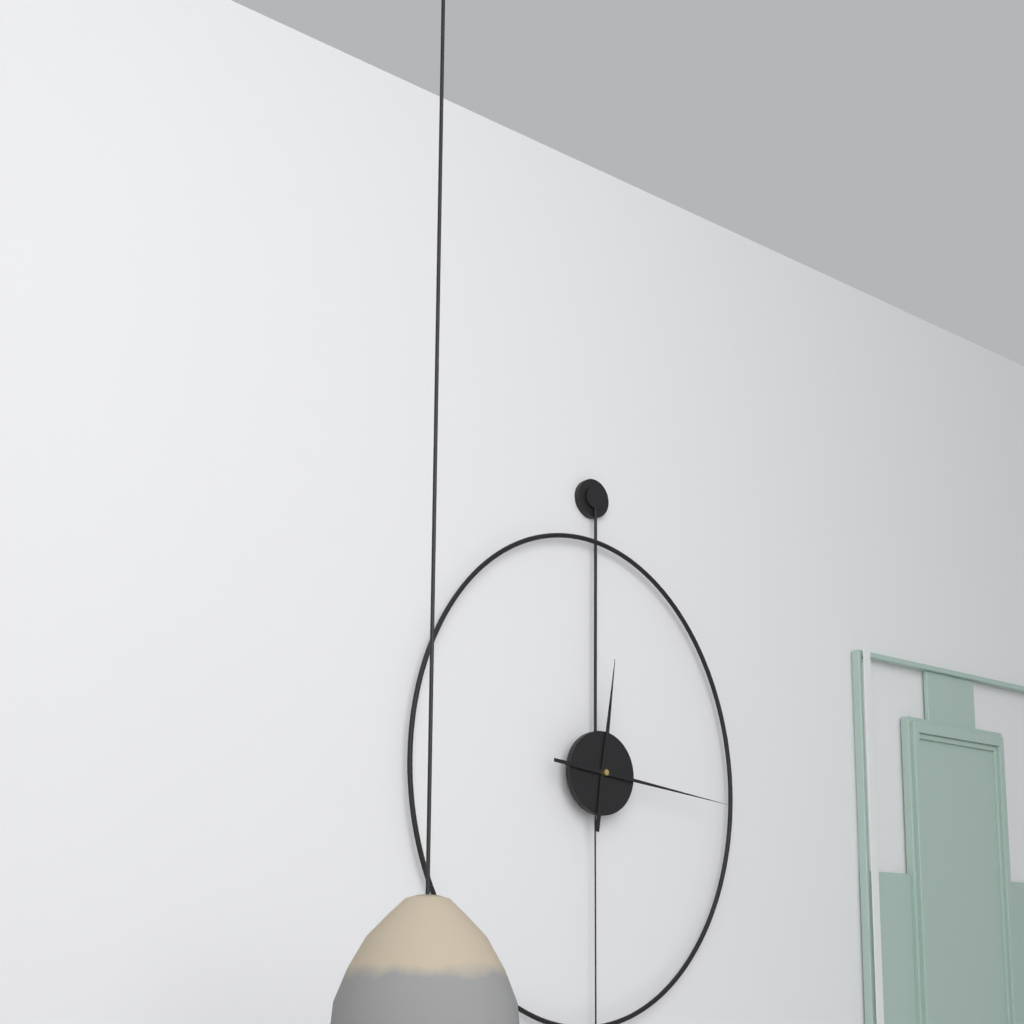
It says 12:16
